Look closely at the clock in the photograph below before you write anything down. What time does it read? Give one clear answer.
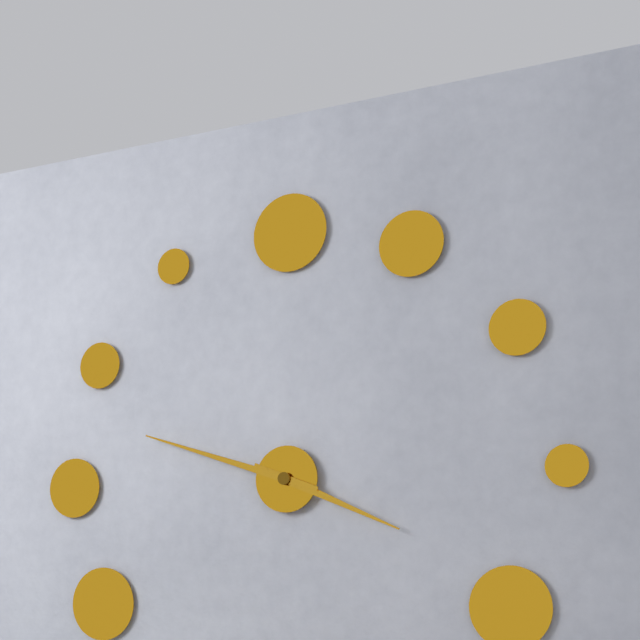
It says 3:48
